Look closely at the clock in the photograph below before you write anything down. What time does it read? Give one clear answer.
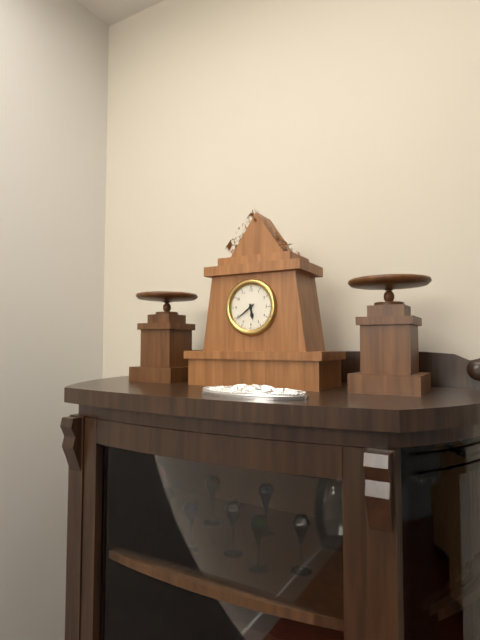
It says 5:39
